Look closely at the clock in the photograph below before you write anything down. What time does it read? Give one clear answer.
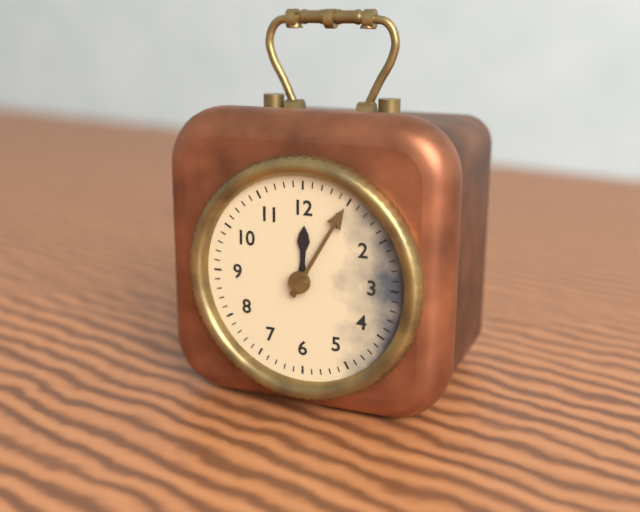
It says 12:05
